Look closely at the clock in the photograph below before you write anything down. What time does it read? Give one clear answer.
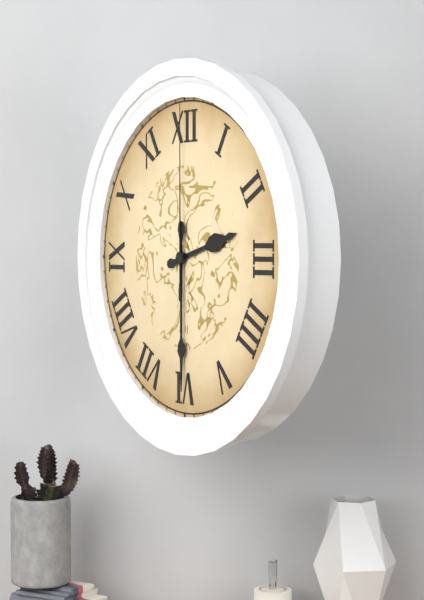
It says 2:30:00
